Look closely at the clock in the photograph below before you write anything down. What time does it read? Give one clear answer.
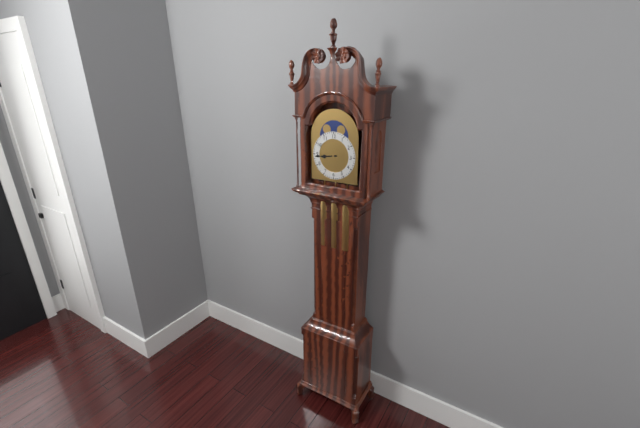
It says 8:44
